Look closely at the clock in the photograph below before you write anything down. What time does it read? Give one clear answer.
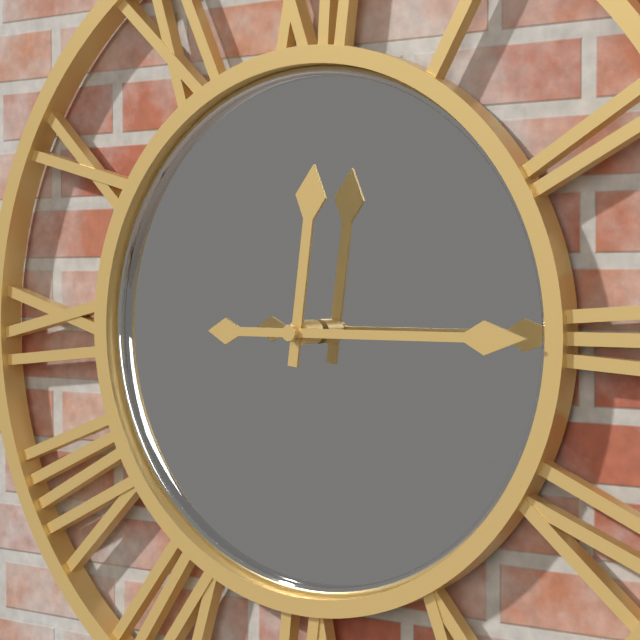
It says 12:15
